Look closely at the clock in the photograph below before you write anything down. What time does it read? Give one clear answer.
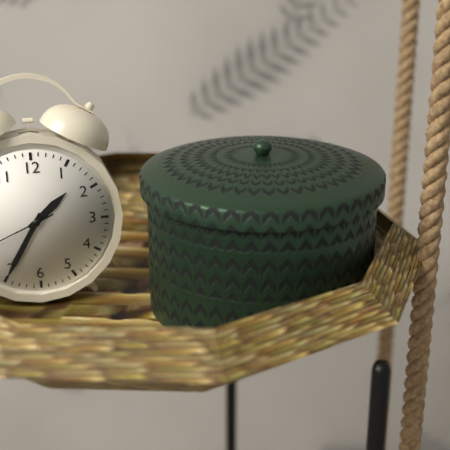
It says 1:35
